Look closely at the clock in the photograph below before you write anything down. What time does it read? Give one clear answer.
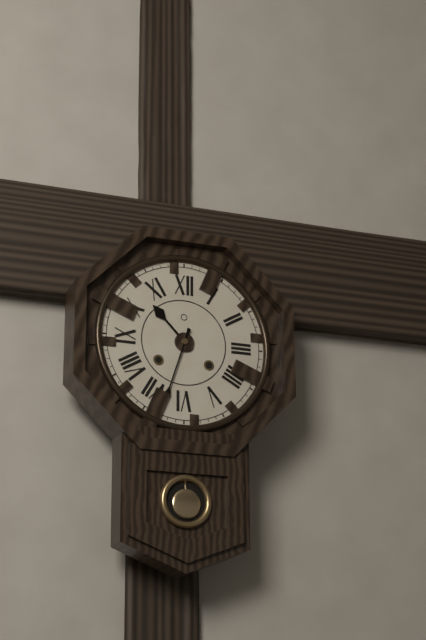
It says 10:33
